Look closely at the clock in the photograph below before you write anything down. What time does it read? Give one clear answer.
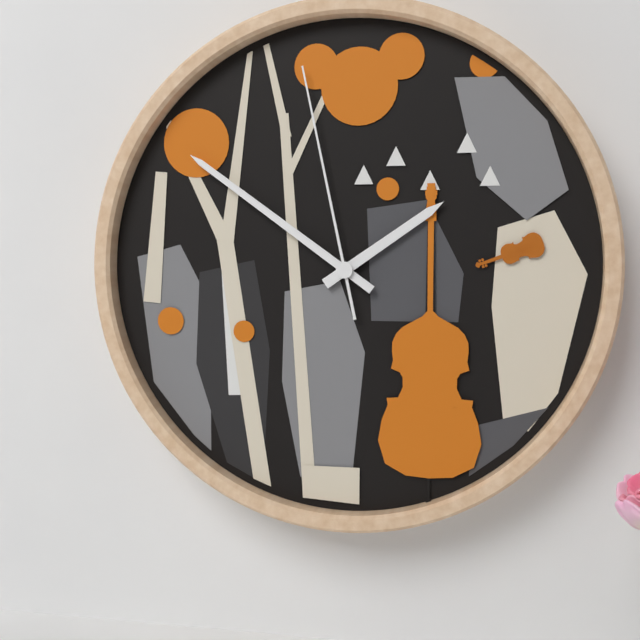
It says 1:51:58
